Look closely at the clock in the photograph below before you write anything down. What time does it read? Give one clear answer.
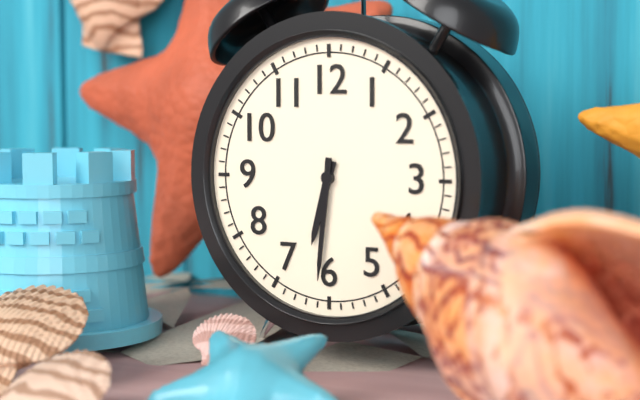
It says 6:31
